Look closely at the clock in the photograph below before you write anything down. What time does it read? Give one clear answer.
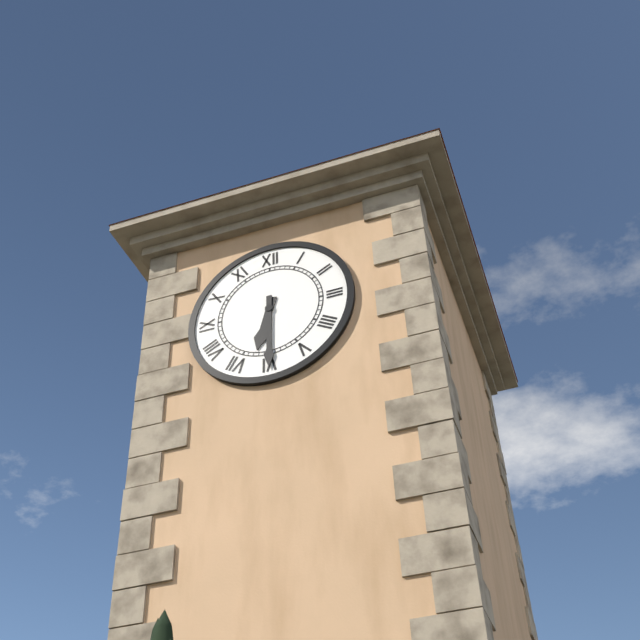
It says 6:30
